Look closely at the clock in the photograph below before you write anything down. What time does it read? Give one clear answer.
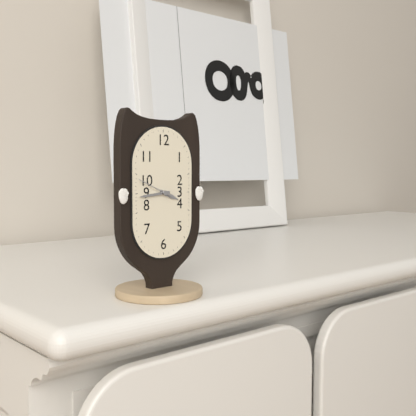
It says 3:44
